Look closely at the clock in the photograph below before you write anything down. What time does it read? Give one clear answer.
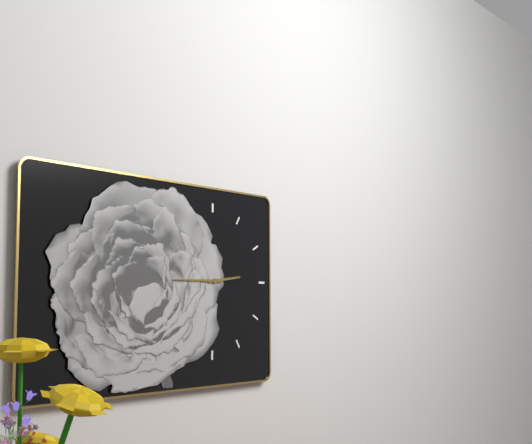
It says 2:45
